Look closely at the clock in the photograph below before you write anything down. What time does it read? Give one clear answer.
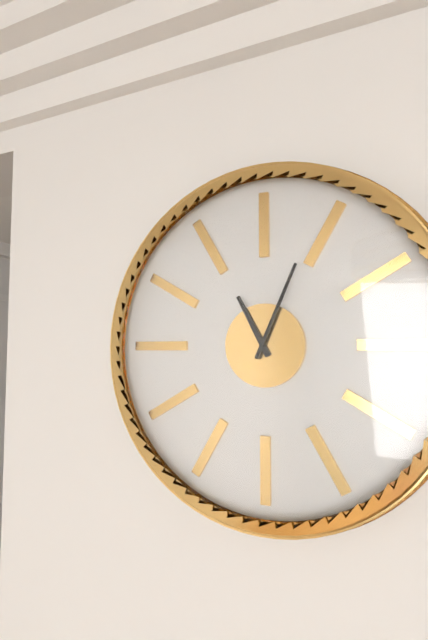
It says 11:04
